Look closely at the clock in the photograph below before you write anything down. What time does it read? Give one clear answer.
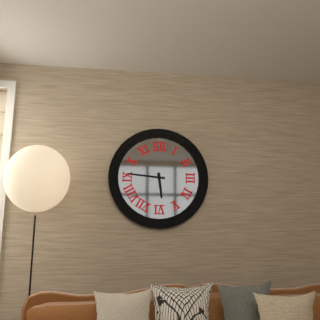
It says 5:46
